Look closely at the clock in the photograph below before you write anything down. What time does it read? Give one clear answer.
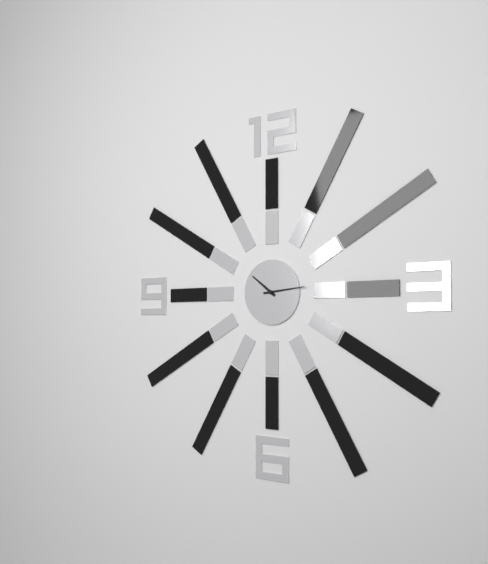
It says 10:14
